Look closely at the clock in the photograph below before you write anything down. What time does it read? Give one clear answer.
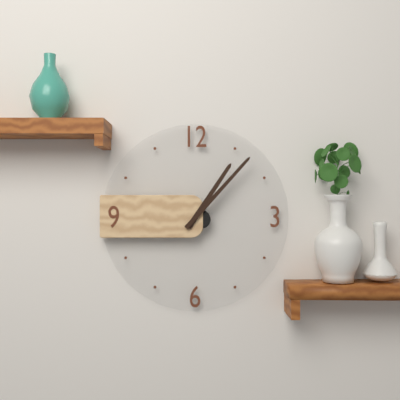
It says 1:07
